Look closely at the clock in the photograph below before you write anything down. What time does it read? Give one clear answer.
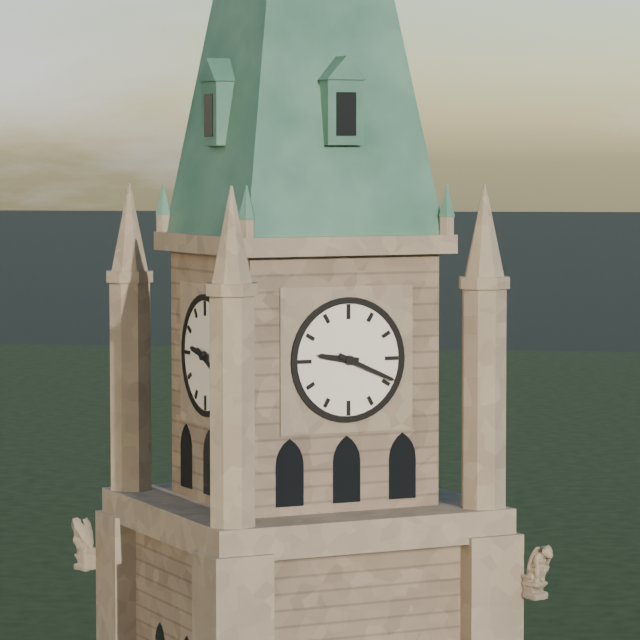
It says 9:19
